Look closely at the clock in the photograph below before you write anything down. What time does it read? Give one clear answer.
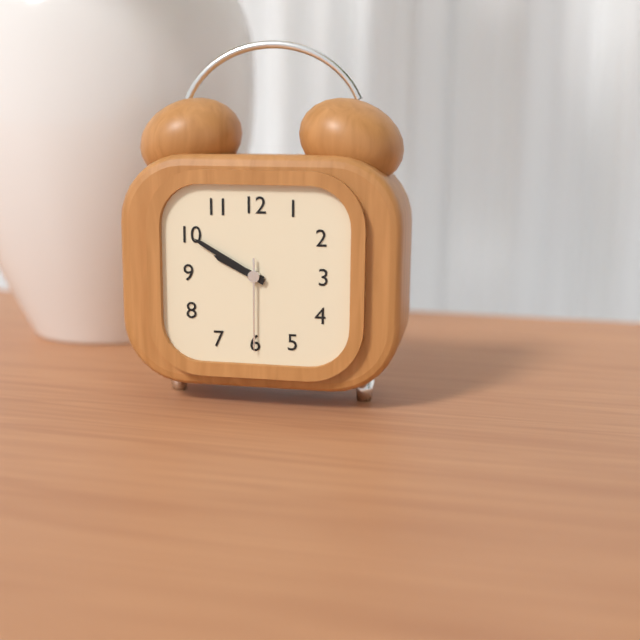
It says 9:50:30
